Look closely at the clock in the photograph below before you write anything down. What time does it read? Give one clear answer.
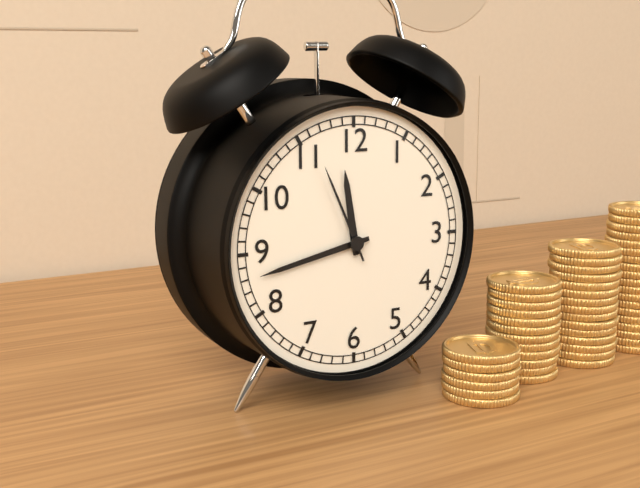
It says 11:43:56
